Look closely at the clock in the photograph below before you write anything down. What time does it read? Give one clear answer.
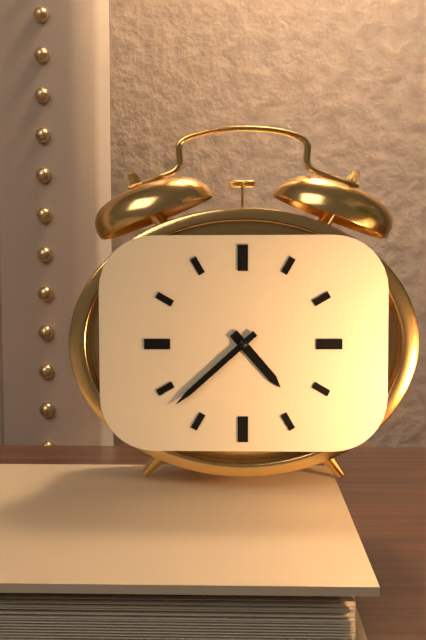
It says 4:38
